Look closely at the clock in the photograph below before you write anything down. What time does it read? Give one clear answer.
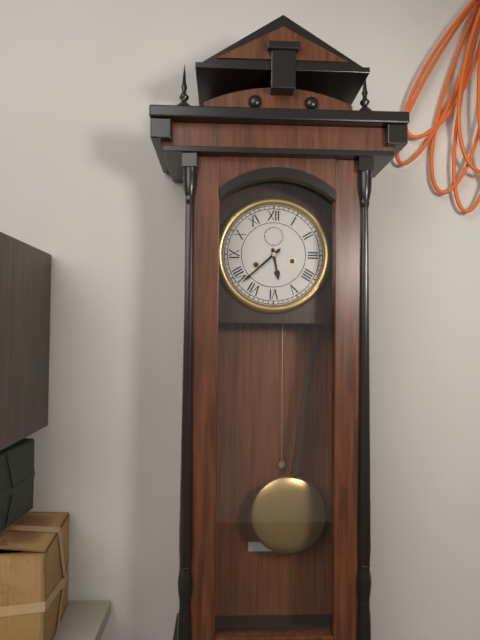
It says 5:38
